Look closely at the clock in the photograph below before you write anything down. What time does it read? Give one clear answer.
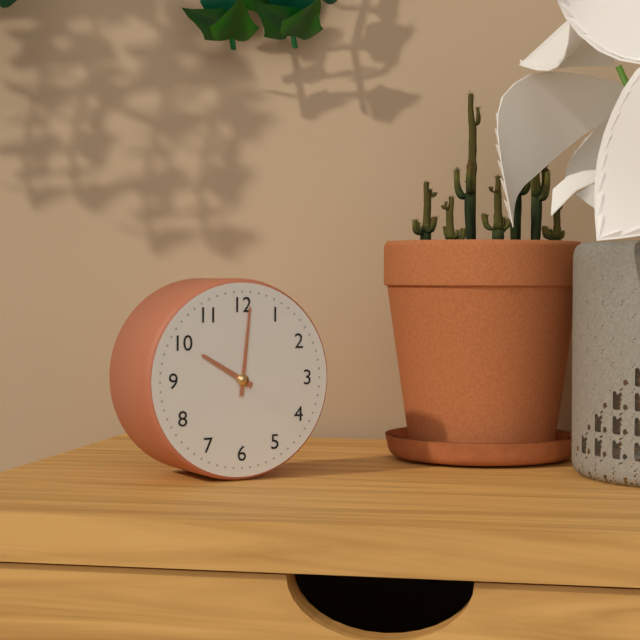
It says 10:01
